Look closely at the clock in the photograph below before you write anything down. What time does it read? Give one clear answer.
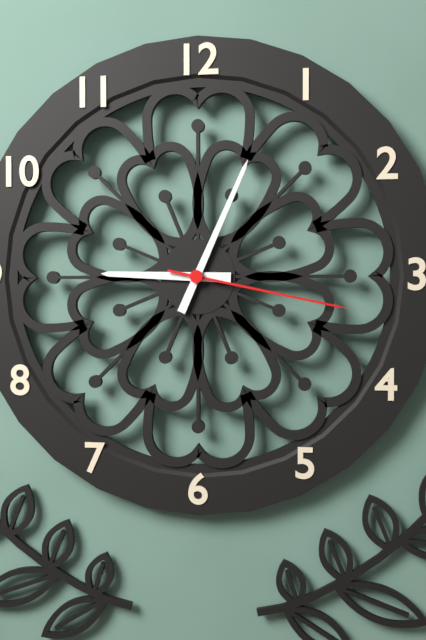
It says 9:04:17
